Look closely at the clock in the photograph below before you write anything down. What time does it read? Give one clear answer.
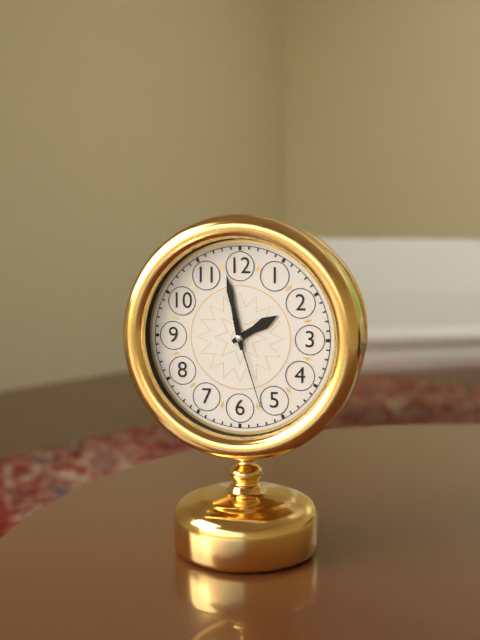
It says 1:58:27
